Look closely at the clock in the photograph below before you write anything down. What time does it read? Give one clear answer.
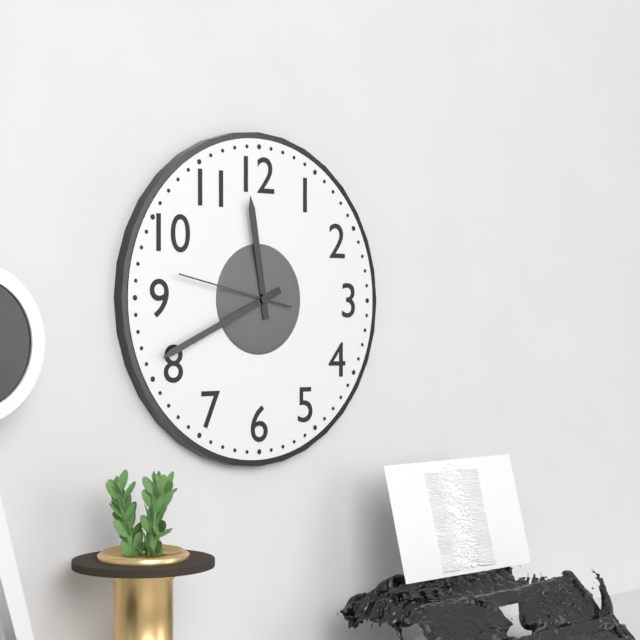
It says 11:41:47
